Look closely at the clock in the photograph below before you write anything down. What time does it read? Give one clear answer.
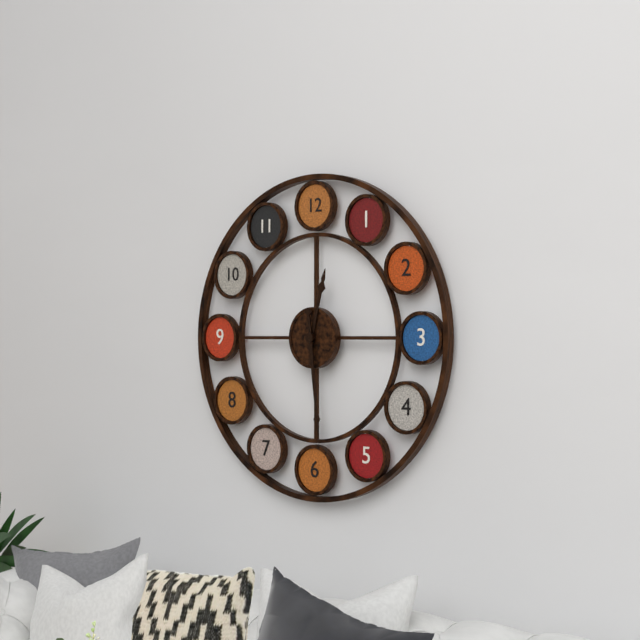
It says 12:29
